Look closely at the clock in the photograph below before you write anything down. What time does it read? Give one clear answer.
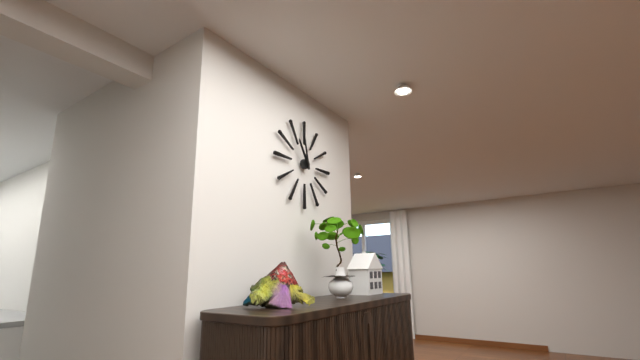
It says 10:58
